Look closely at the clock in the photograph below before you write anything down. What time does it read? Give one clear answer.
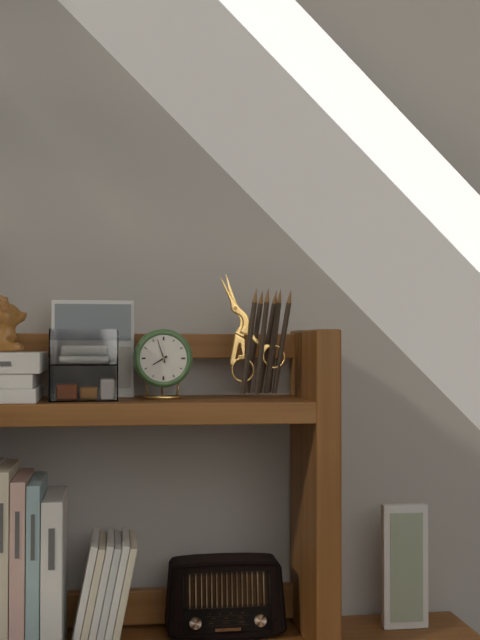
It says 7:57
